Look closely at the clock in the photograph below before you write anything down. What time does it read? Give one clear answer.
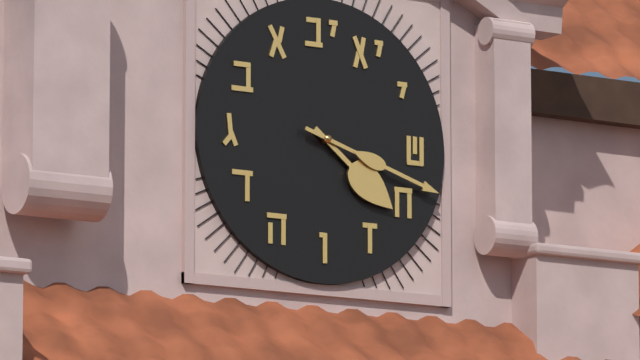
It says 4:18
